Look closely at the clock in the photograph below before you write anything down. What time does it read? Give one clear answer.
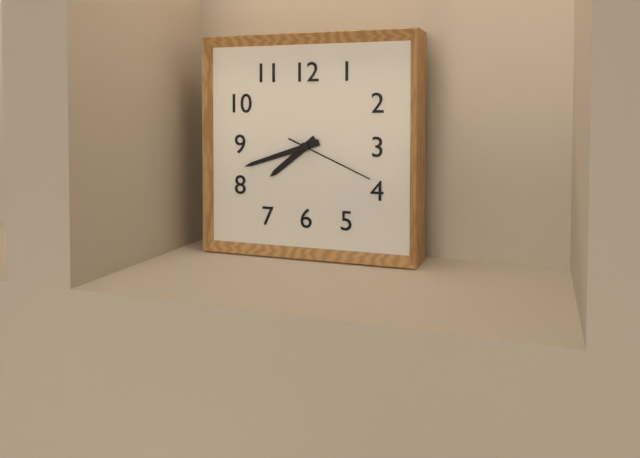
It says 7:42:19
